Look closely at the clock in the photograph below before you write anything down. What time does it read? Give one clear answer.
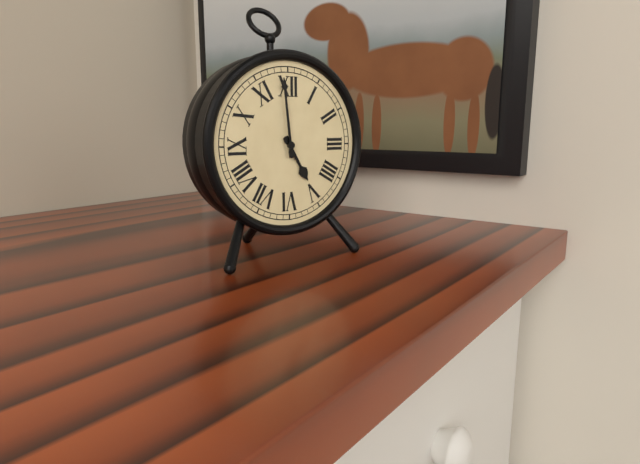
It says 4:59
